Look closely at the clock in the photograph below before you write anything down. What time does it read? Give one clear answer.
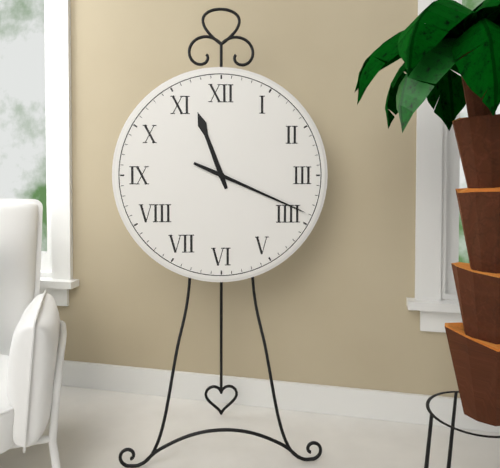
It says 11:19
